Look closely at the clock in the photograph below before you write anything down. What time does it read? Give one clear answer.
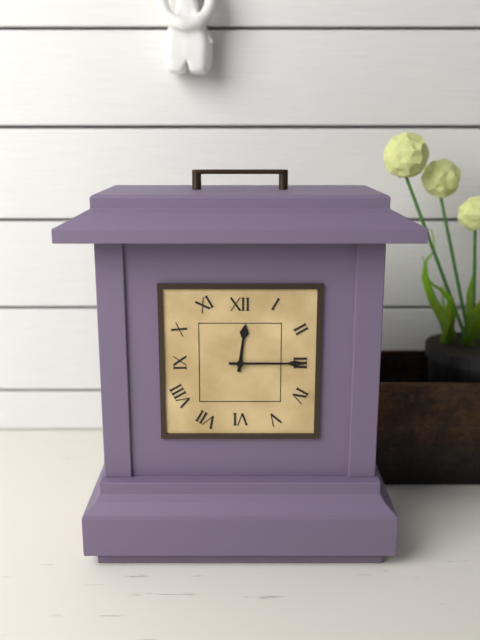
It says 12:15
